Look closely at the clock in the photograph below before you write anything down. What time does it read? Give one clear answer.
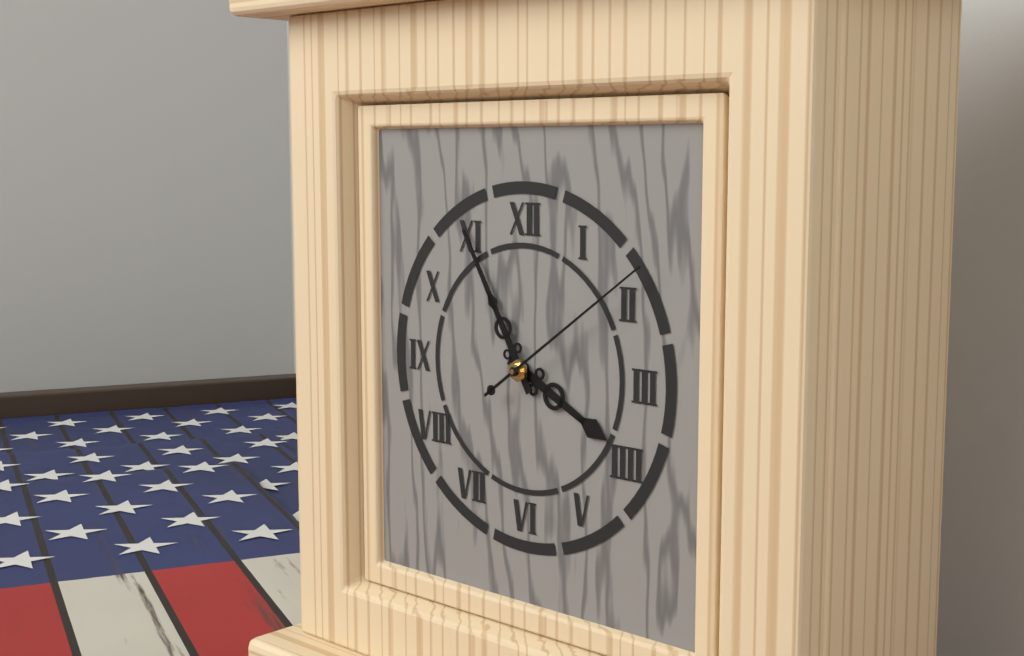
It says 3:55:09
